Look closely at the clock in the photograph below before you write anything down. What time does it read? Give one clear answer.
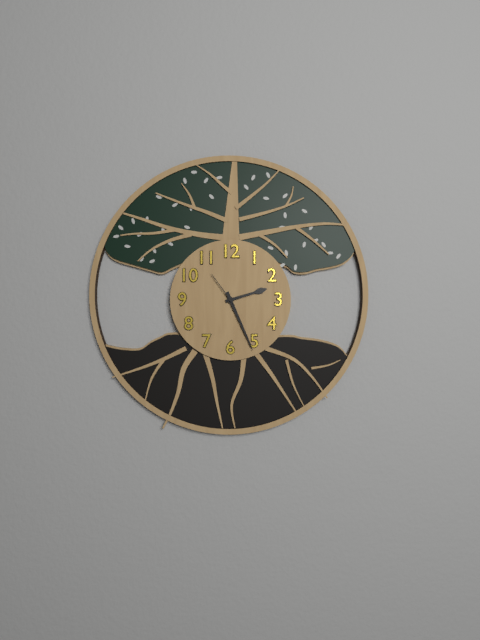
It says 2:26
